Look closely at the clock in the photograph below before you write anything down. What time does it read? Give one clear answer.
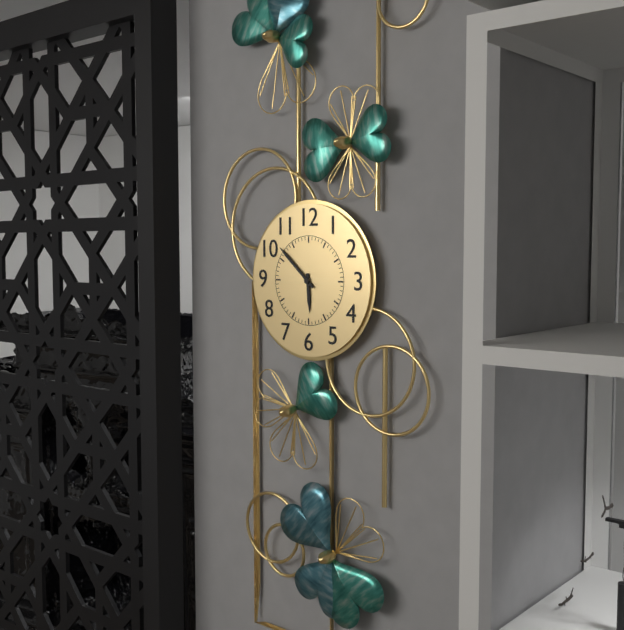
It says 5:52
